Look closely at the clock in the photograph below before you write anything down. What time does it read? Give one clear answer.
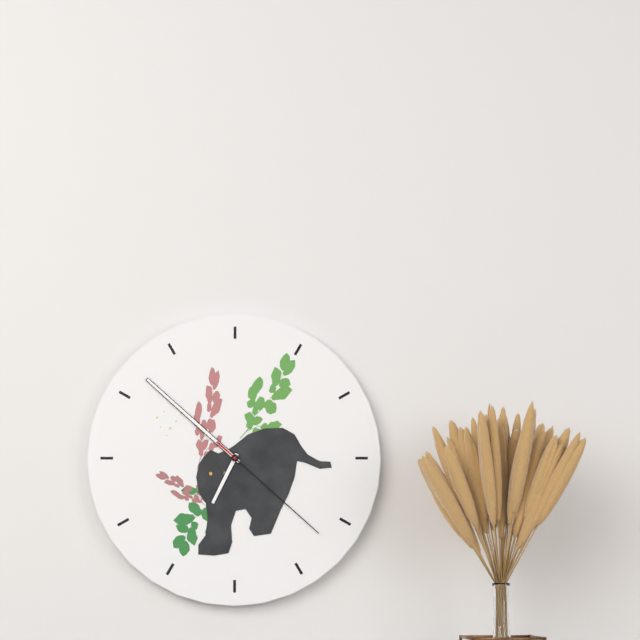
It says 6:52:22
